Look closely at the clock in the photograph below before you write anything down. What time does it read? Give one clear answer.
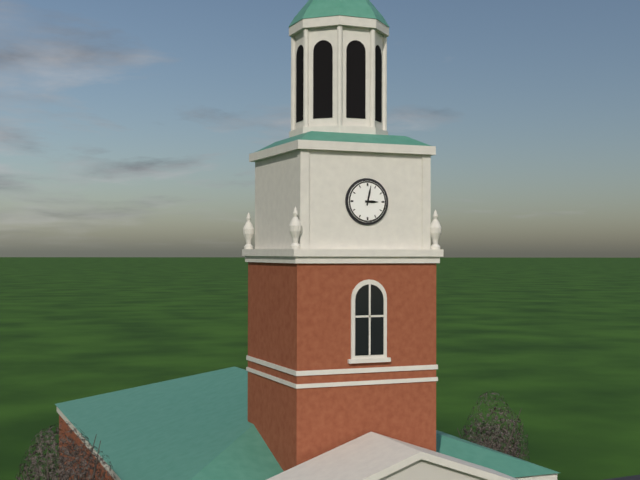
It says 3:02
